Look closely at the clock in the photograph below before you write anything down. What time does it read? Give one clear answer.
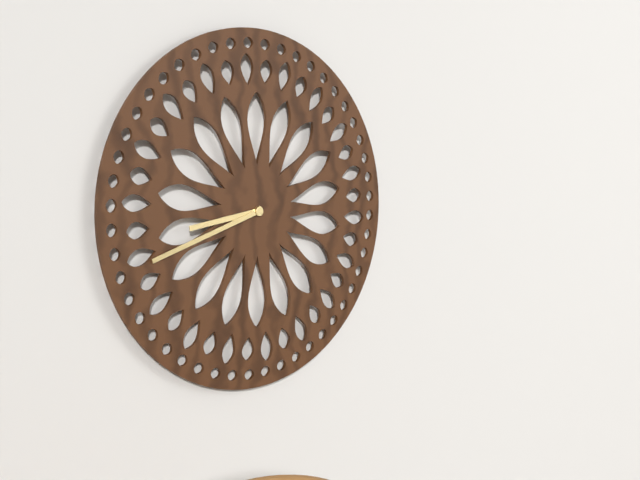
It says 8:42
